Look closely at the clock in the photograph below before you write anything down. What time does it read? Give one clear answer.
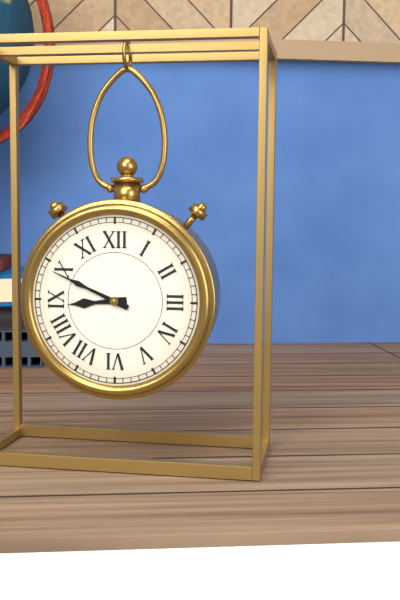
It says 8:49
